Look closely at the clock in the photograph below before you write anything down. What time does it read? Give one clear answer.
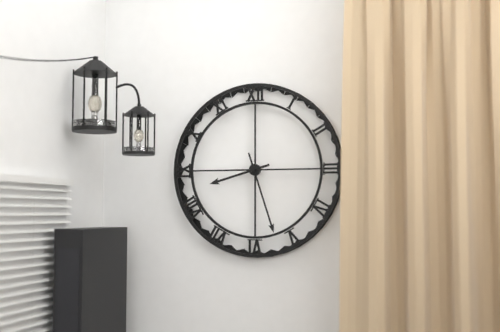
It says 8:27
